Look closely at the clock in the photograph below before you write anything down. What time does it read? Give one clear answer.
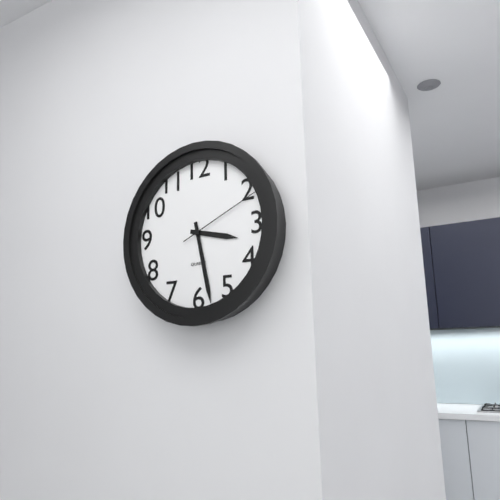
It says 3:28:11
